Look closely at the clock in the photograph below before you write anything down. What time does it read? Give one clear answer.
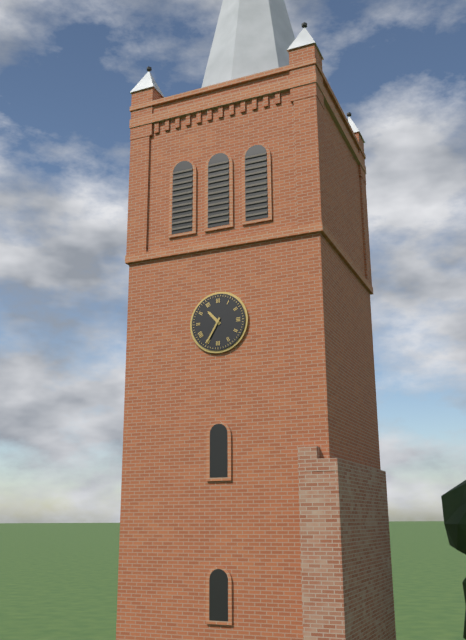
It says 10:35
